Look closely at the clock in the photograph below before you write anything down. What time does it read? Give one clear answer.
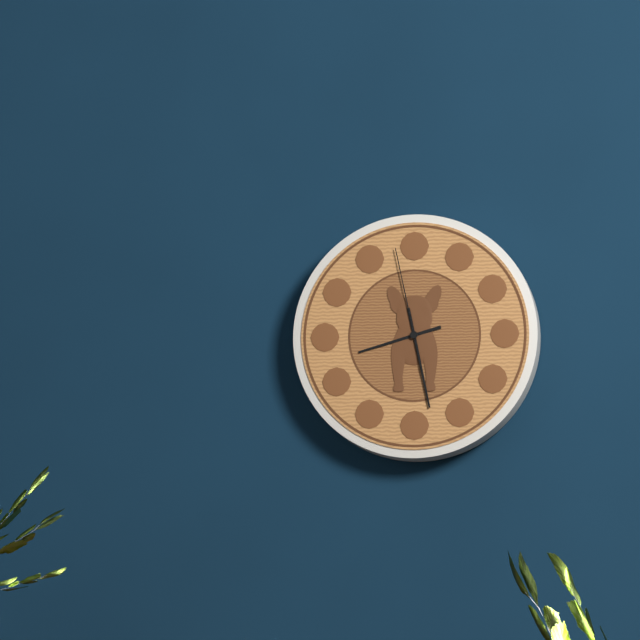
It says 8:28:58
